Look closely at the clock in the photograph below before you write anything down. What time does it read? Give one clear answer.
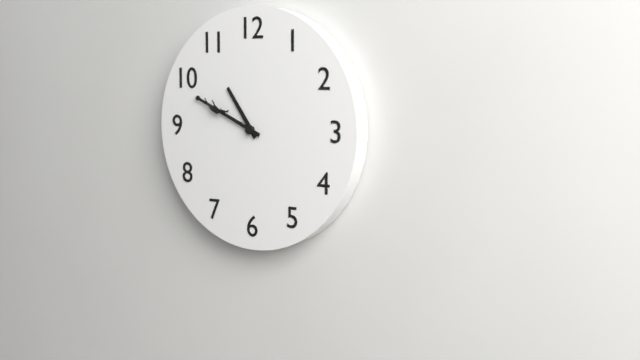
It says 10:49
